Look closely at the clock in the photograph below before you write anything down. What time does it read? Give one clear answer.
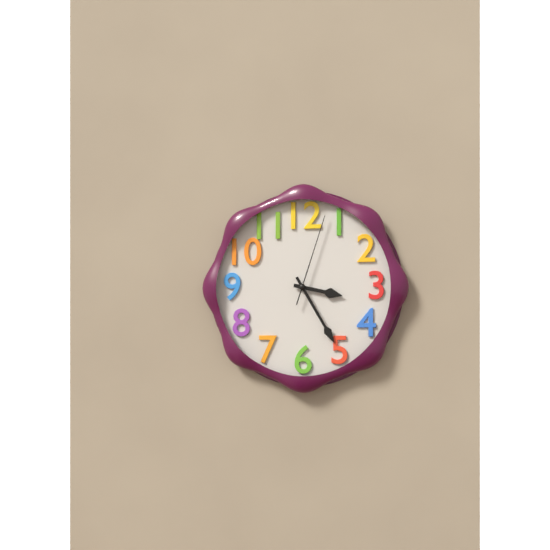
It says 3:25:03
